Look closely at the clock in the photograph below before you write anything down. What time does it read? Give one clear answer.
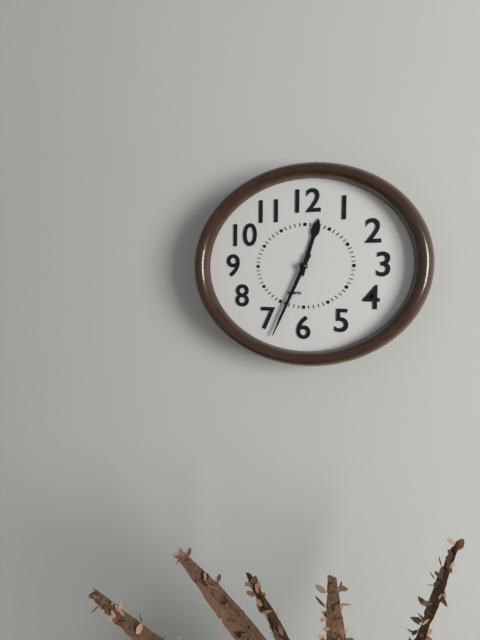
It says 12:34
